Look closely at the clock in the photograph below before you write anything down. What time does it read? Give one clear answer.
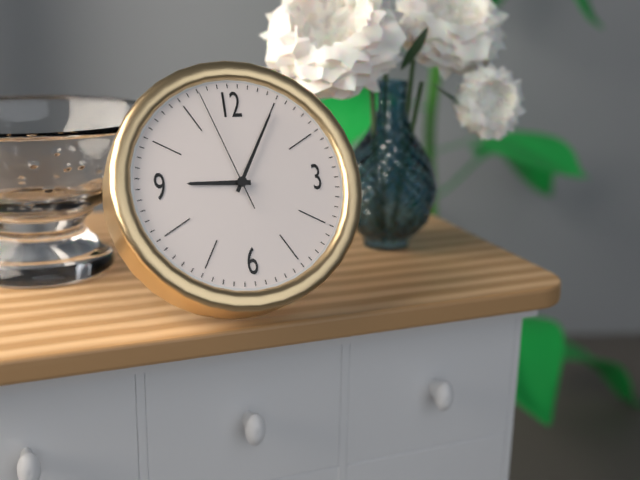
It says 9:05:57
